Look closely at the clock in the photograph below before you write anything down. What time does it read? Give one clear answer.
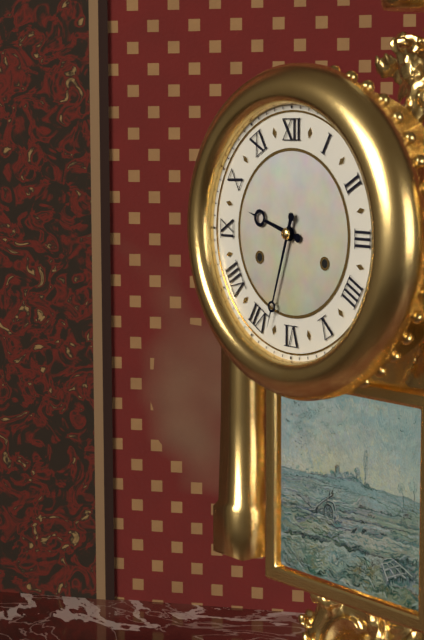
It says 9:33
